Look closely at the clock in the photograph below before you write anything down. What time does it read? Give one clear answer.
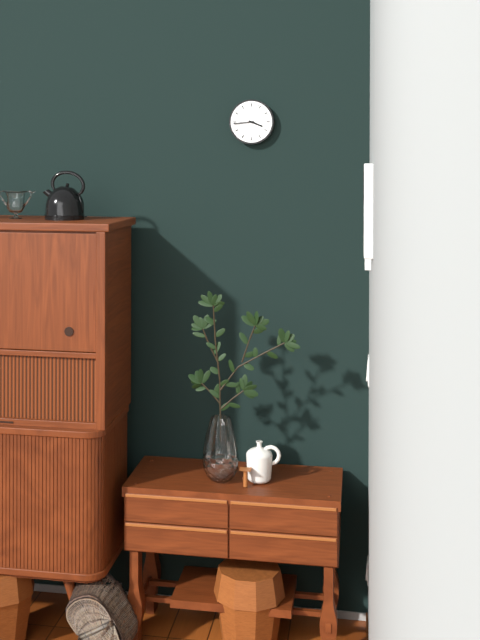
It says 3:44
